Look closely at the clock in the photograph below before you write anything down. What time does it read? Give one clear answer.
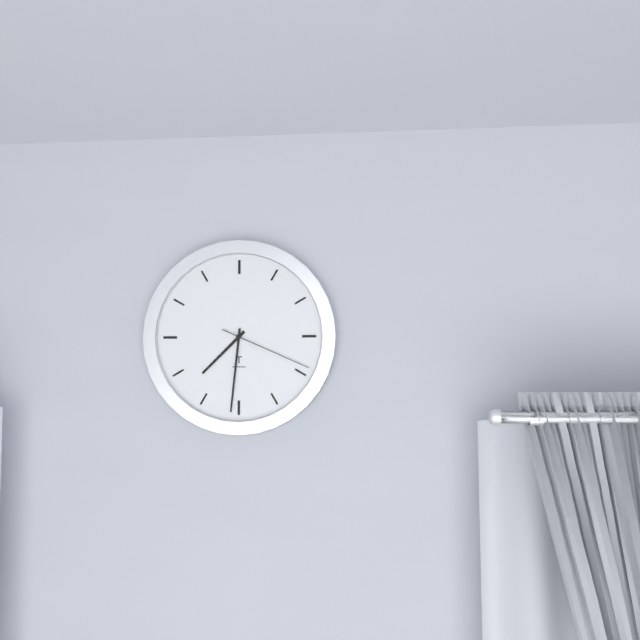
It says 7:31:19
